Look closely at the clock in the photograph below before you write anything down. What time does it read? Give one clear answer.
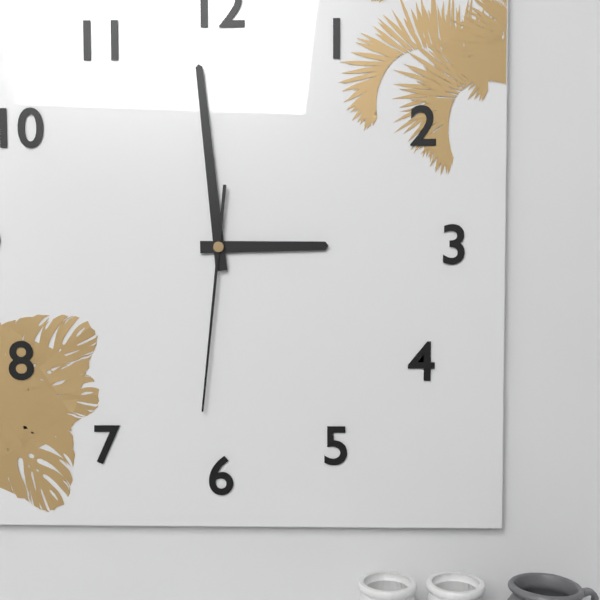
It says 2:59:31
